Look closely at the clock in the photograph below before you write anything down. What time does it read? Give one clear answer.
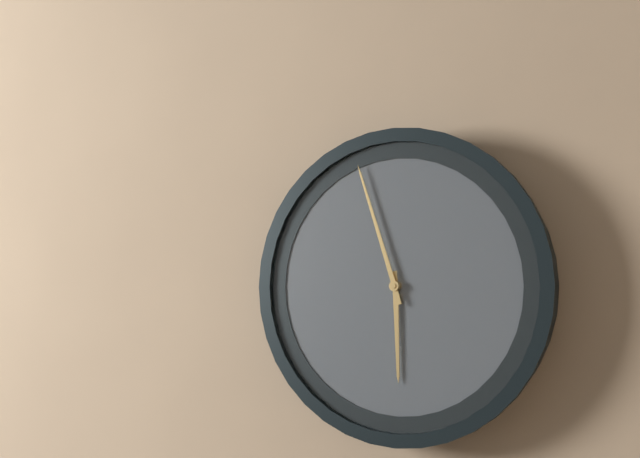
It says 5:57
